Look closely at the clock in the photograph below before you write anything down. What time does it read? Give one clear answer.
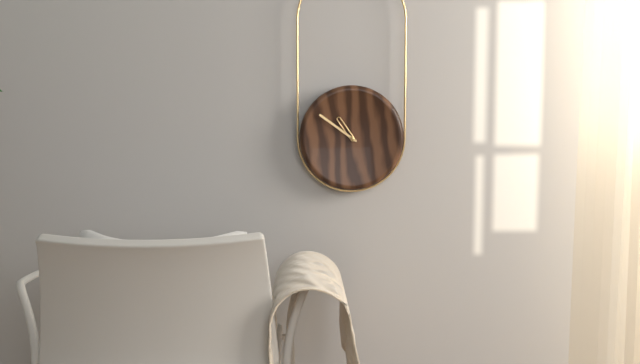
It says 10:51
